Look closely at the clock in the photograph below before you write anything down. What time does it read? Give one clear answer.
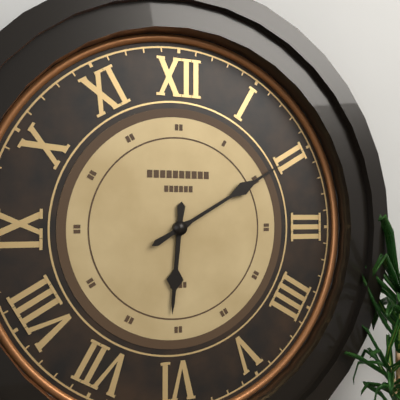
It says 6:10
